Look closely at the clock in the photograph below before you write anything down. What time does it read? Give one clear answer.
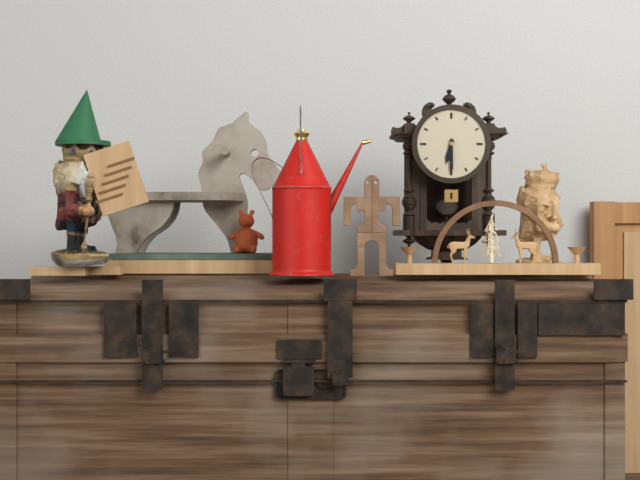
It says 6:30
